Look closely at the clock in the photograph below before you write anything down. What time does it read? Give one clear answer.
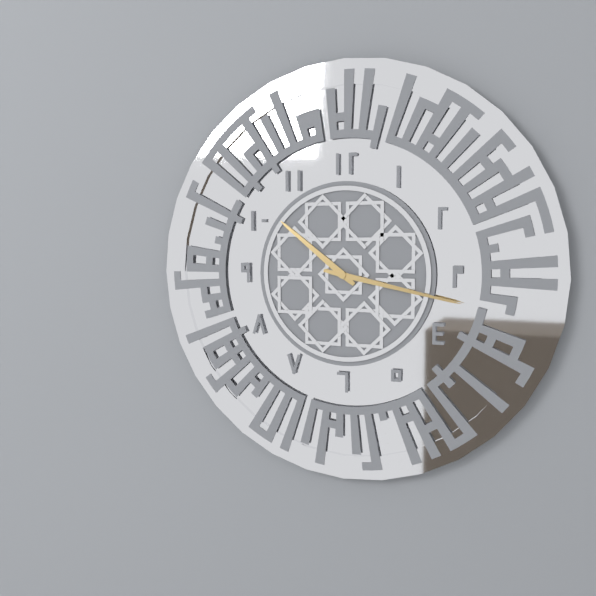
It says 10:17
